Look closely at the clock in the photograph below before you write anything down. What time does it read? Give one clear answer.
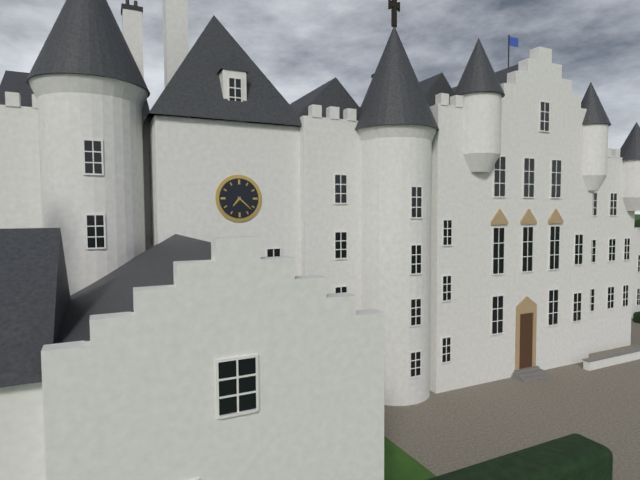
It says 7:22
